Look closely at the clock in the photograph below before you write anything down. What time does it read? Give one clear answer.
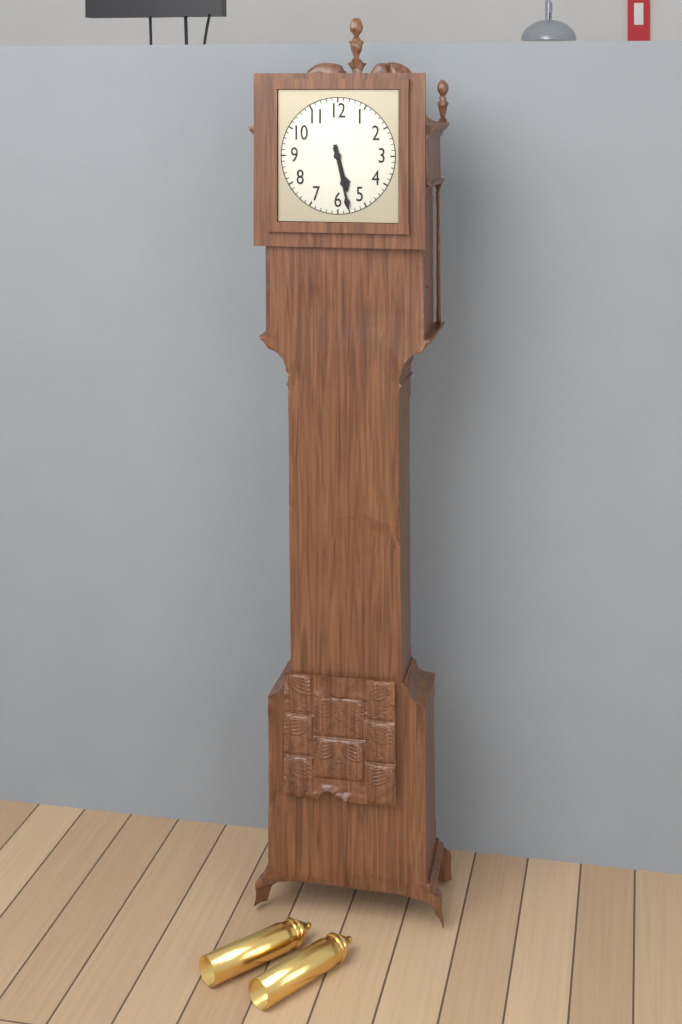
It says 5:28
